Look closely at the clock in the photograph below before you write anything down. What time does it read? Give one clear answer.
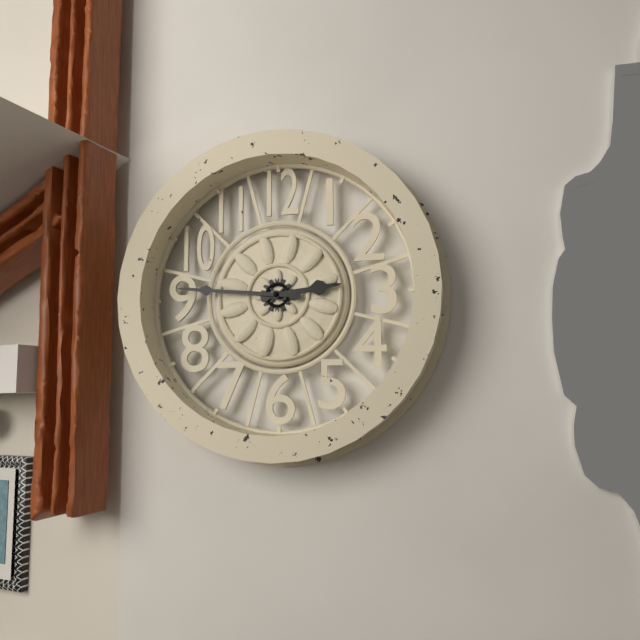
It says 2:46
